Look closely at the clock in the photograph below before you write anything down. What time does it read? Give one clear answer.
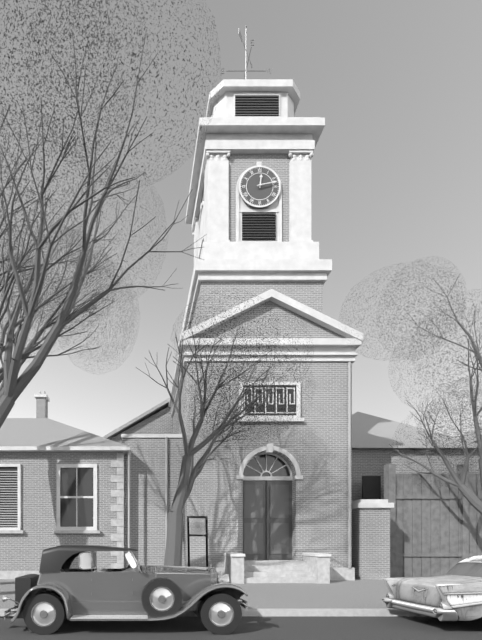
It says 12:13
